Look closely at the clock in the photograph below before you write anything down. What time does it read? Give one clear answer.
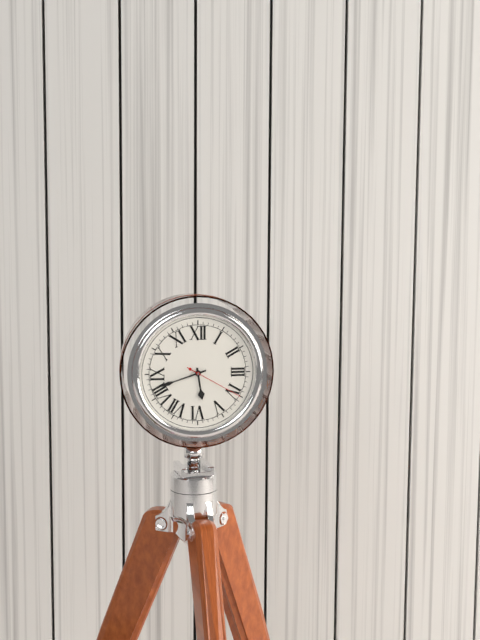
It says 5:42:20
